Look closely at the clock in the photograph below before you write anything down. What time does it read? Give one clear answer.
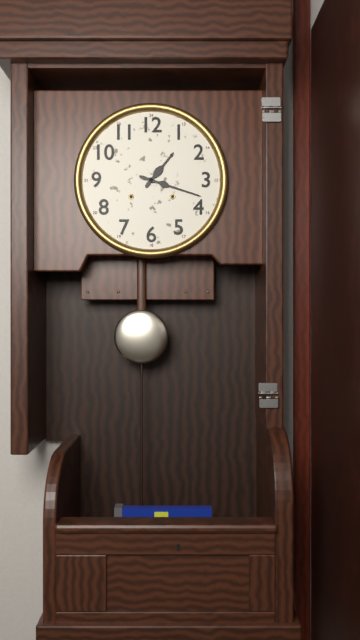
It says 1:18
